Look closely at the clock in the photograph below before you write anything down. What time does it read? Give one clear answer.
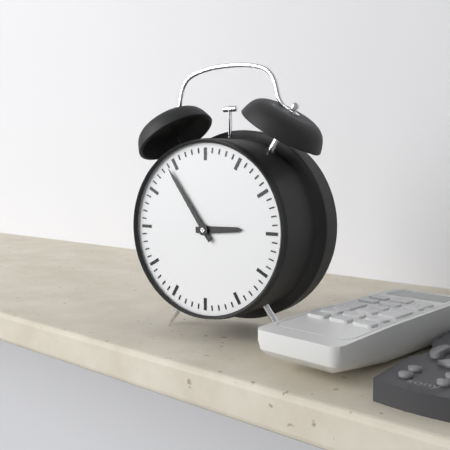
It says 2:54
